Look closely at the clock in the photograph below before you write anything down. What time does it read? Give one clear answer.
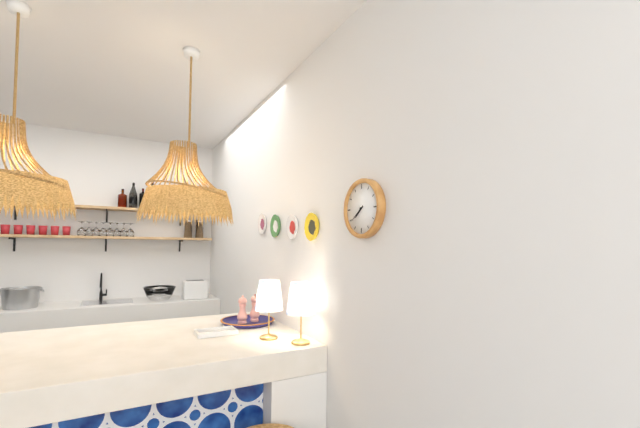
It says 7:39
